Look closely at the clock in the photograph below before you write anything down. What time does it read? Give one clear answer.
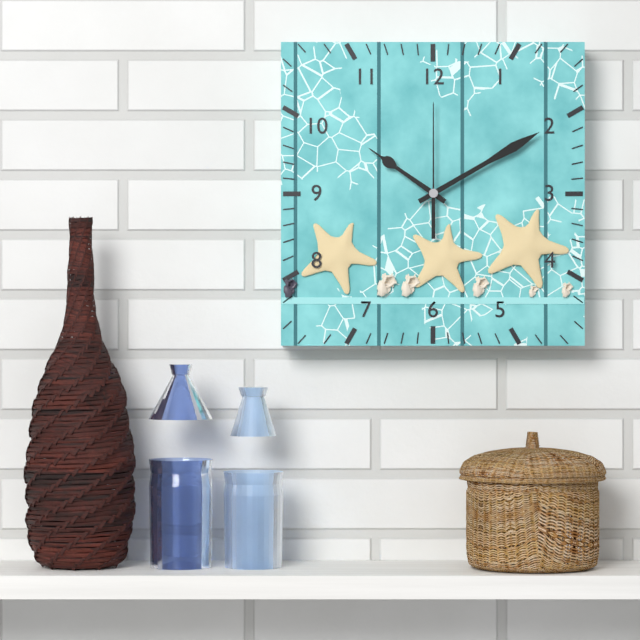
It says 10:10:00
